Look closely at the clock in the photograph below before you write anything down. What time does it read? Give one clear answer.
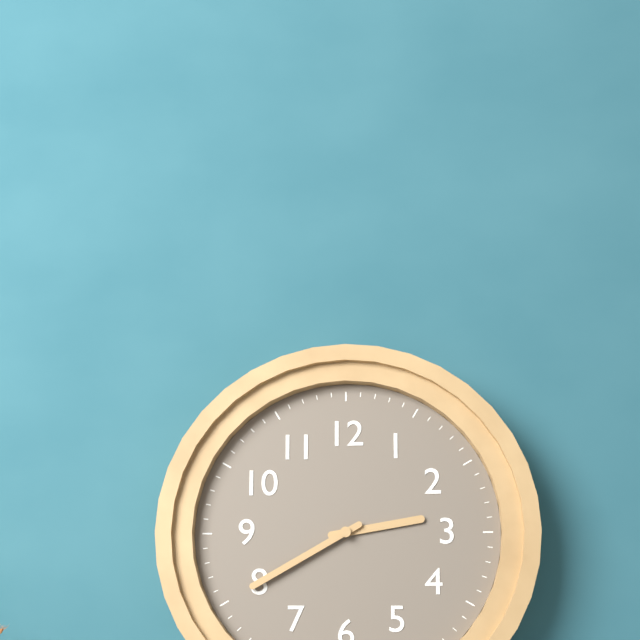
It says 2:40
